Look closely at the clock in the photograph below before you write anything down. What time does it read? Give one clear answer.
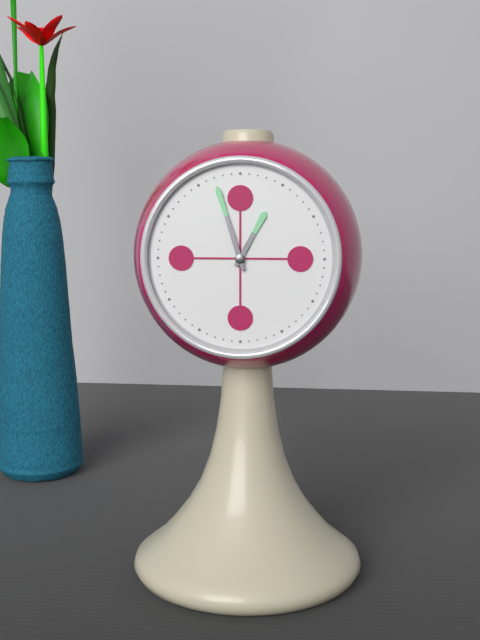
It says 12:57
